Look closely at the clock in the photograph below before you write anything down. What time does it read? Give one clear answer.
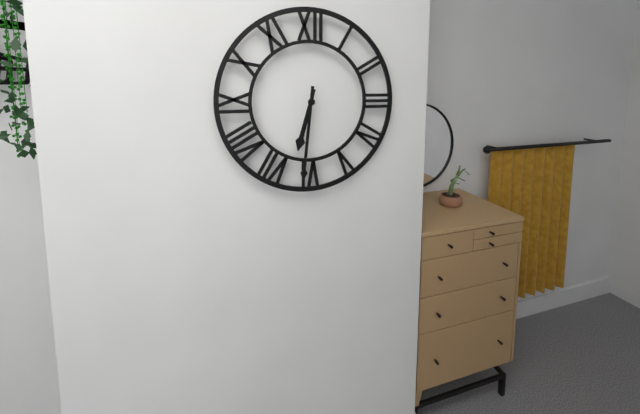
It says 6:31
